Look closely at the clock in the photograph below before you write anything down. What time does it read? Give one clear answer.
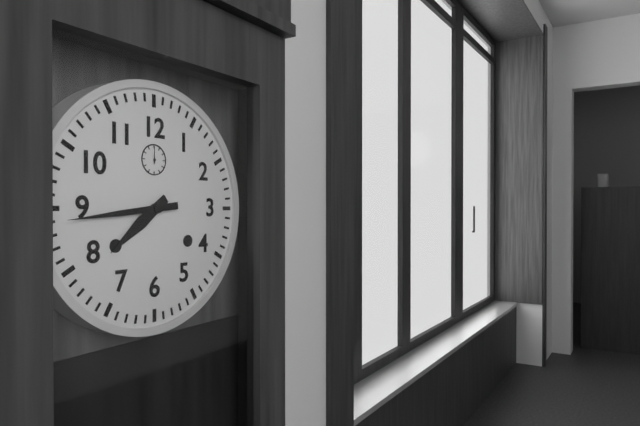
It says 7:44
